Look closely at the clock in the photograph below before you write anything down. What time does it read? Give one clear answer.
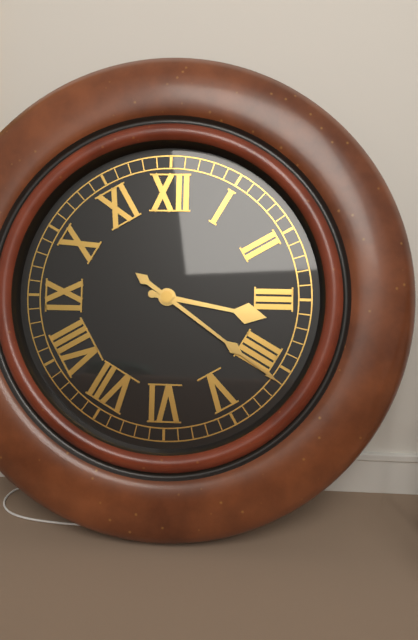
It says 3:21
